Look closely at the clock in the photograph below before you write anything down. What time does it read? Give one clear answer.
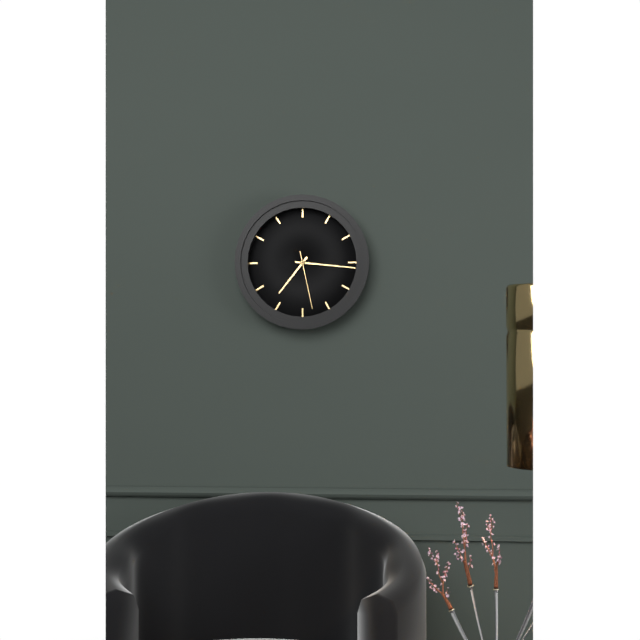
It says 7:16:28
